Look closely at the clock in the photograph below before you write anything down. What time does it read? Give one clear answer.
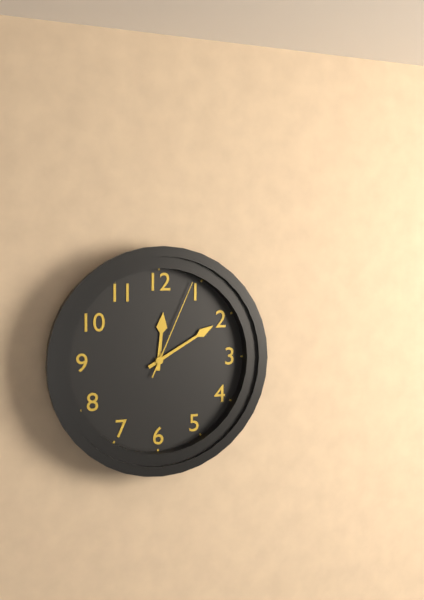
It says 12:10:04
